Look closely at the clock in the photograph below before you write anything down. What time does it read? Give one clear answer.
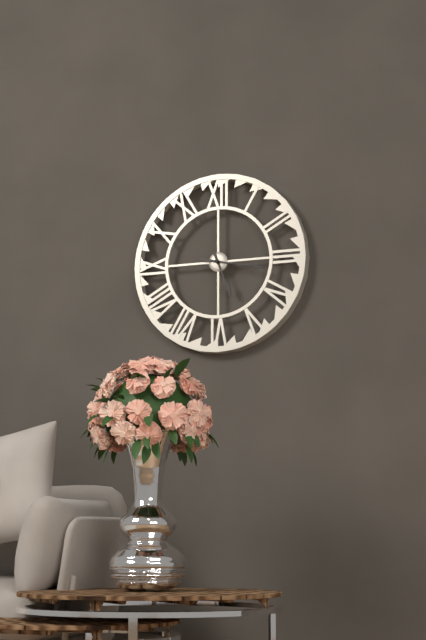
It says 5:17
